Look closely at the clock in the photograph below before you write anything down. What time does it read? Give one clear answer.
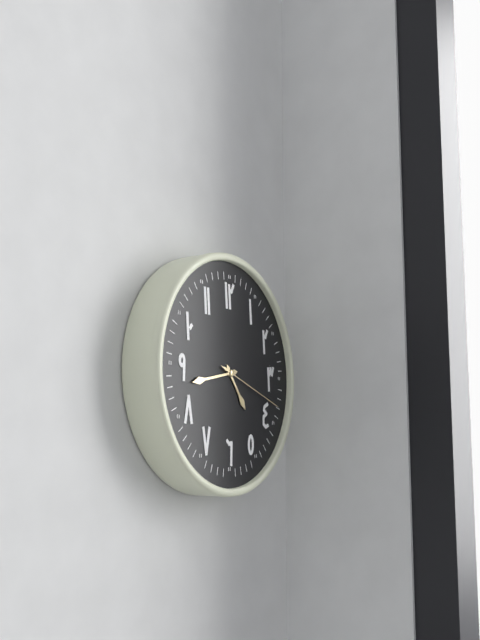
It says 4:43:18
